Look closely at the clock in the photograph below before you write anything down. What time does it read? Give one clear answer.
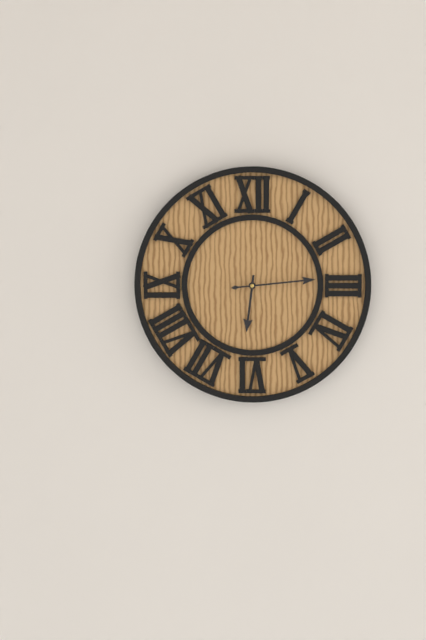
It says 6:14
